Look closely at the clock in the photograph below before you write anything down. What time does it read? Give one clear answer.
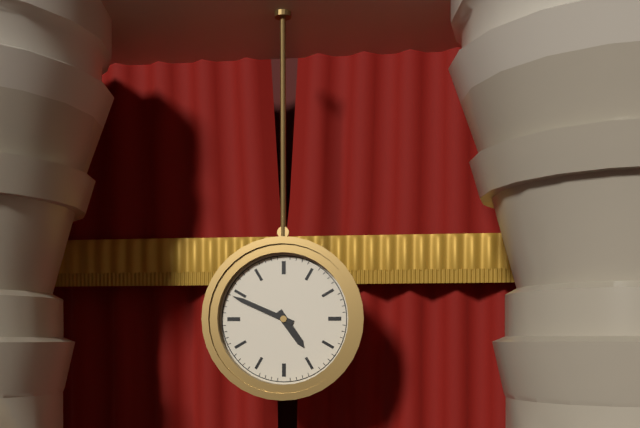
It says 4:49
